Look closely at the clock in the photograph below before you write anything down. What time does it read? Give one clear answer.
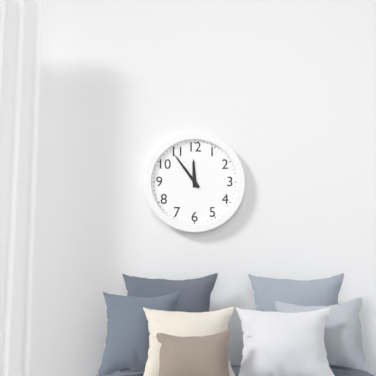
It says 11:54
